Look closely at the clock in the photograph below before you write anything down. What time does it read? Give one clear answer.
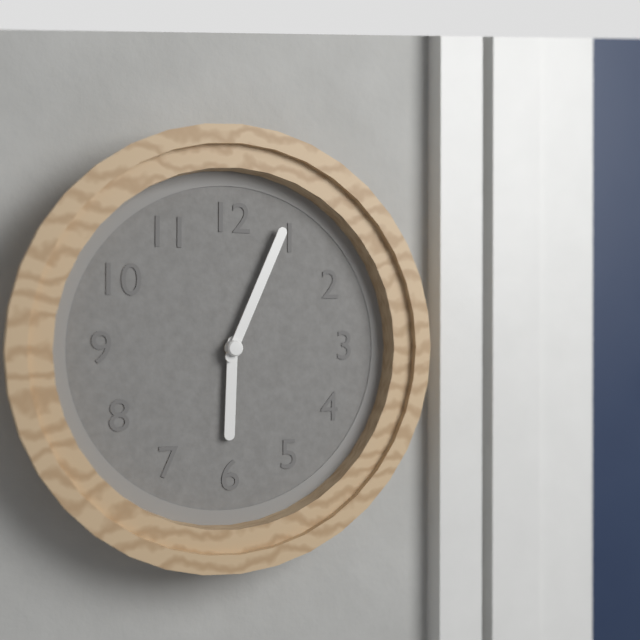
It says 6:04
